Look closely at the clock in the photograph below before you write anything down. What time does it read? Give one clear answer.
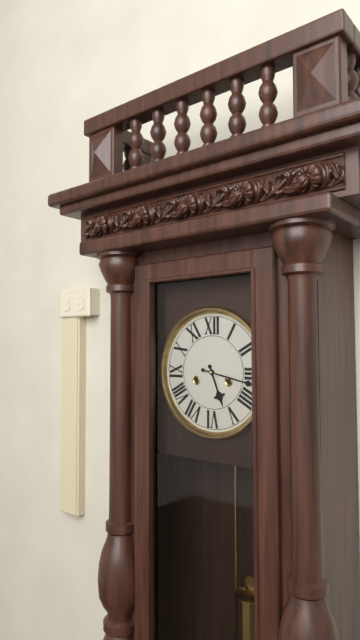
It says 5:17
